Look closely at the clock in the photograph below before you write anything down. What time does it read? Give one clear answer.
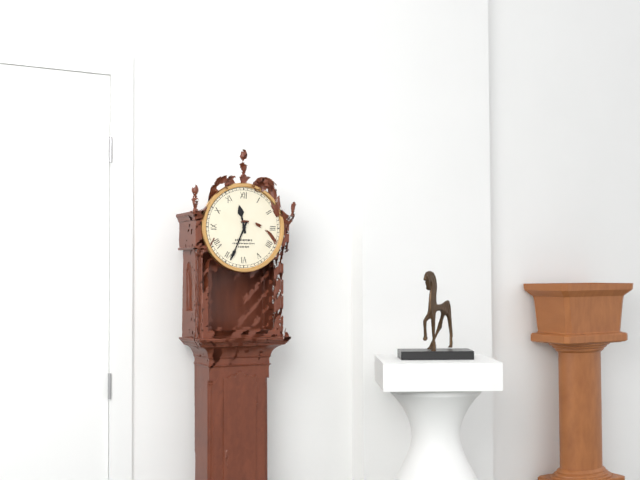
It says 11:34
